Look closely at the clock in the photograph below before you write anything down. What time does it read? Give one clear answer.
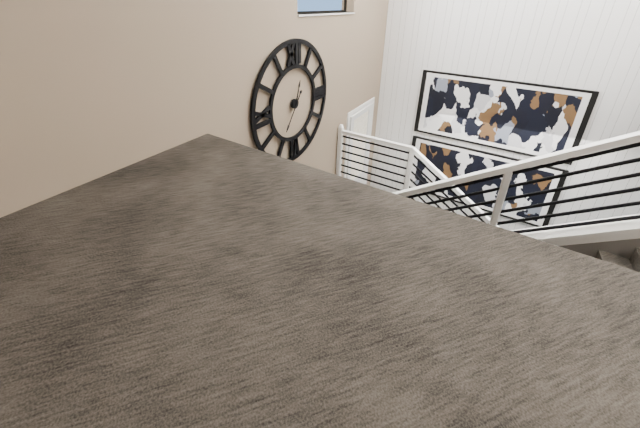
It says 12:36
